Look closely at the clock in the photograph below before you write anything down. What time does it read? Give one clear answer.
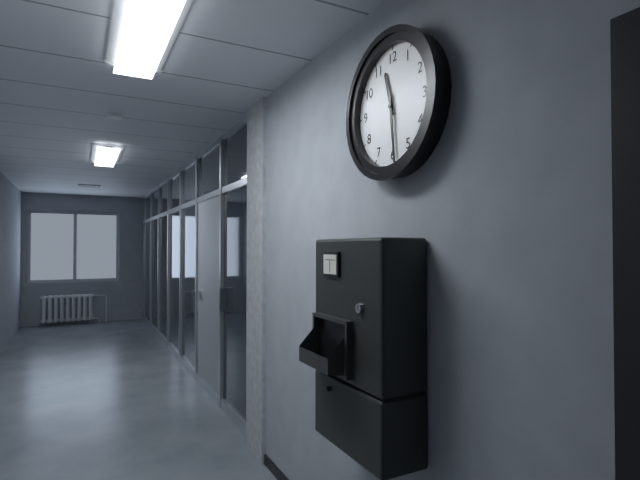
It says 11:29
